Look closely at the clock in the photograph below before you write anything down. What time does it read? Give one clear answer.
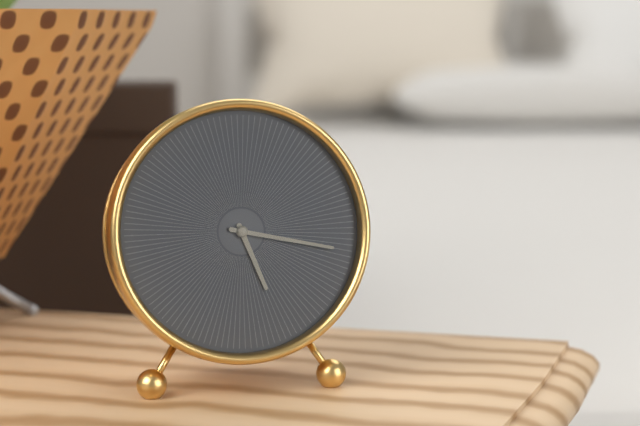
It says 5:17
